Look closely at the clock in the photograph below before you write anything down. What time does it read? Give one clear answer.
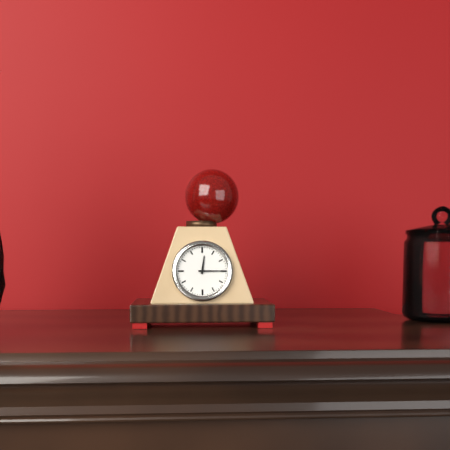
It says 12:15
